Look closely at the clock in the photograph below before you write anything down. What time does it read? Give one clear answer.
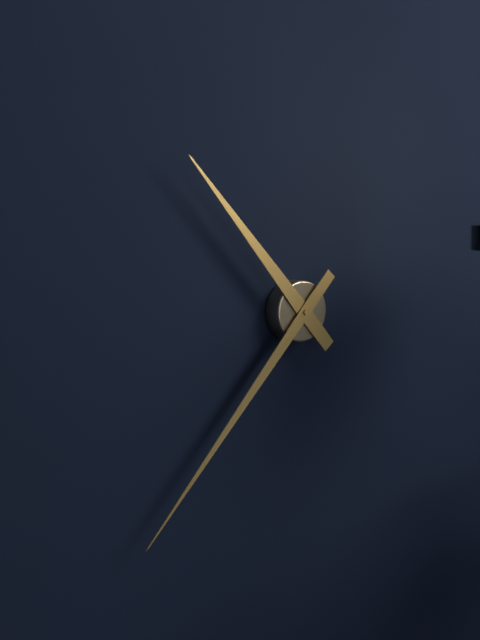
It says 10:37
